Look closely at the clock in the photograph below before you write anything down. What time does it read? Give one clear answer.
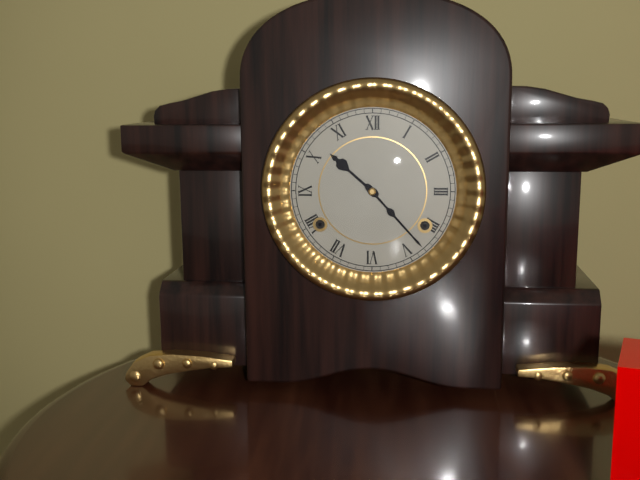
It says 10:23
